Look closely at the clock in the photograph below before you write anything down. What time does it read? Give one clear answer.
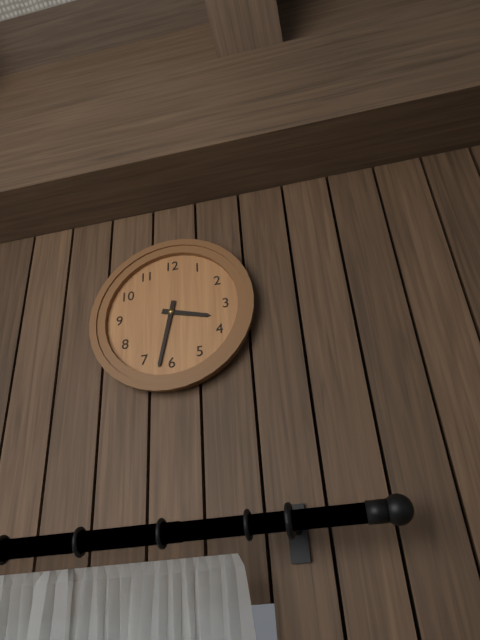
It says 3:32
